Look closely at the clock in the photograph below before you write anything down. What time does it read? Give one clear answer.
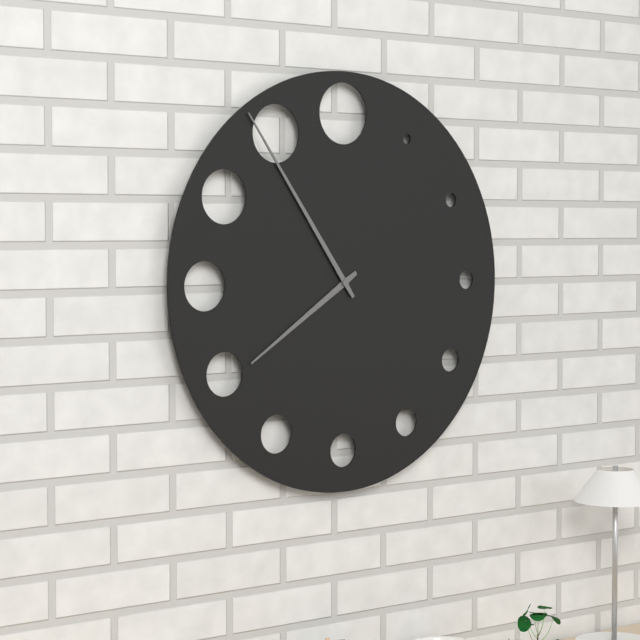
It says 7:54
